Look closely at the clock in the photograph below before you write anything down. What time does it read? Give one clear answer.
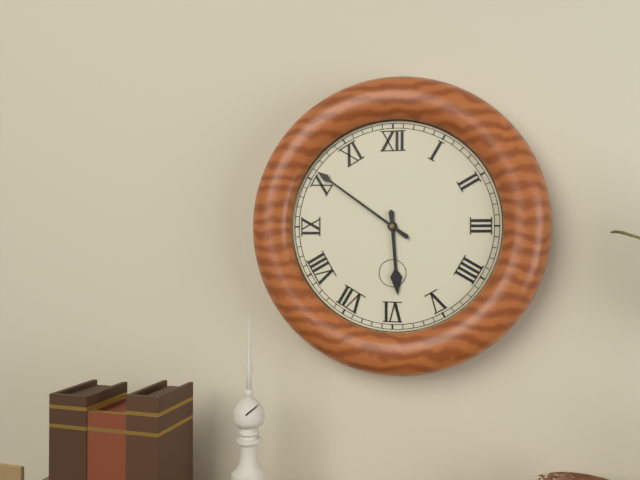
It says 5:51
